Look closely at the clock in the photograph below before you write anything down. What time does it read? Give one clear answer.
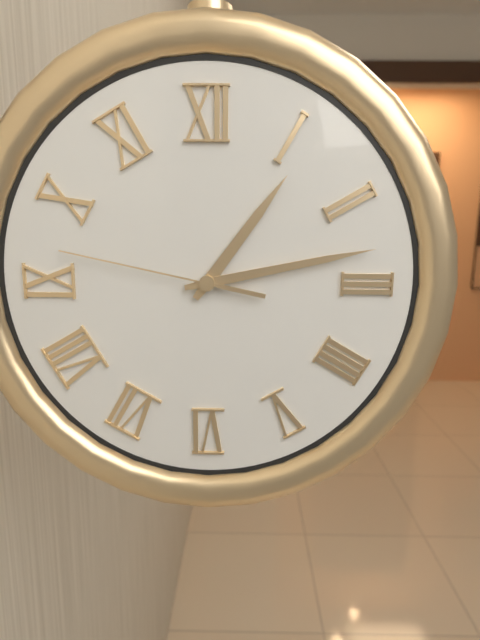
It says 1:13:47
